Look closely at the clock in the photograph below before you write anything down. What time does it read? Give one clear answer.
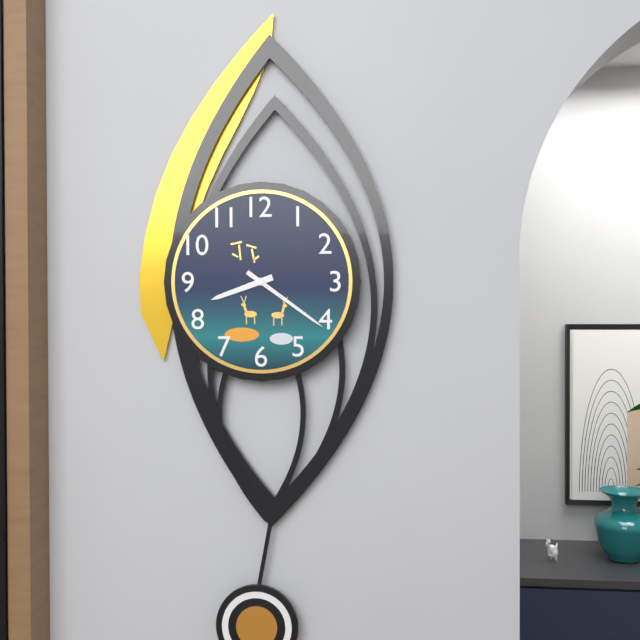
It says 8:21
